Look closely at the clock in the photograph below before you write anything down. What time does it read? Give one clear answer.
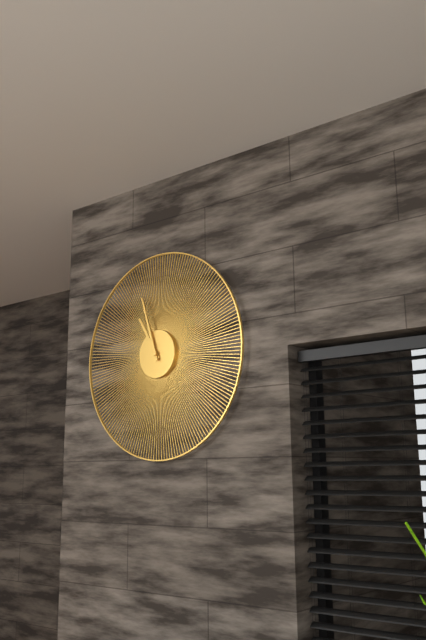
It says 10:57
